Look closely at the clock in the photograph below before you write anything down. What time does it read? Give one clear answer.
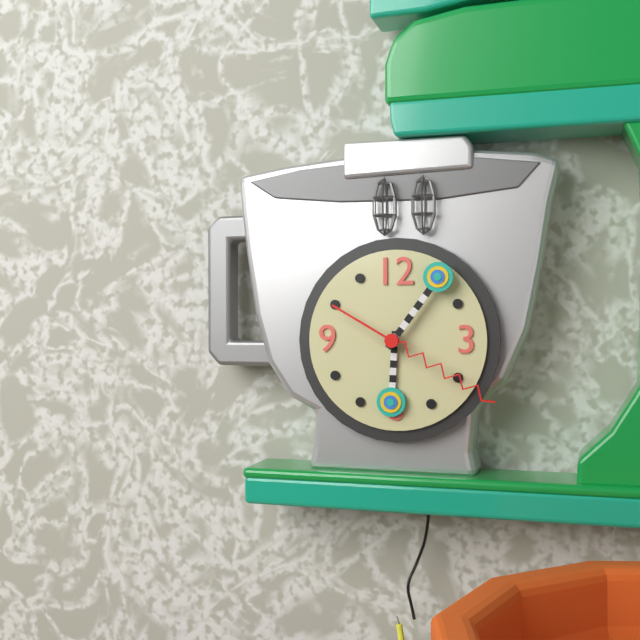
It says 6:06:20
